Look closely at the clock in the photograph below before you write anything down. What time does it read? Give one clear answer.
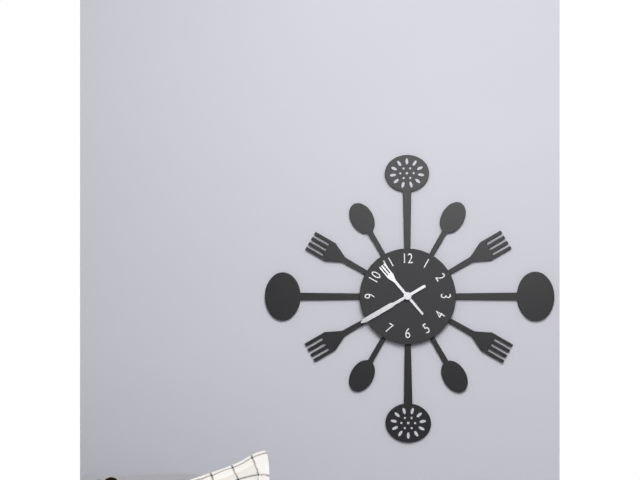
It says 10:40
